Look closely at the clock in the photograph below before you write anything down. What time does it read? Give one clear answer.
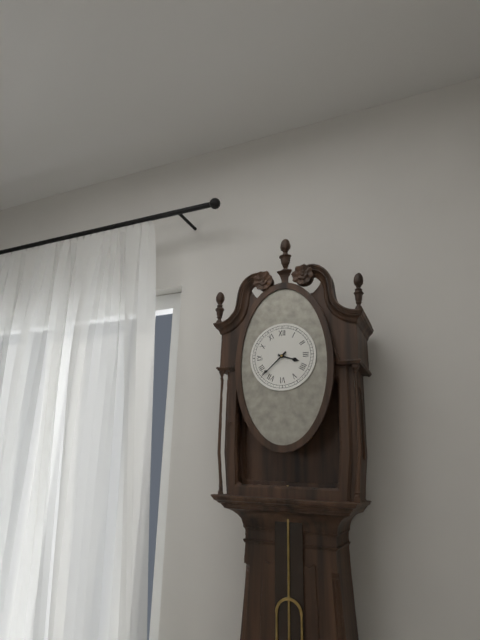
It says 3:38
